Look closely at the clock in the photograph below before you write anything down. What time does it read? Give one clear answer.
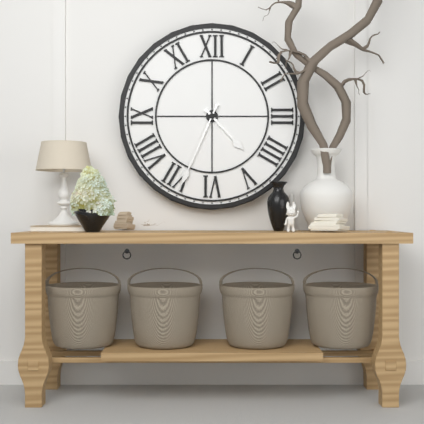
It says 4:34
